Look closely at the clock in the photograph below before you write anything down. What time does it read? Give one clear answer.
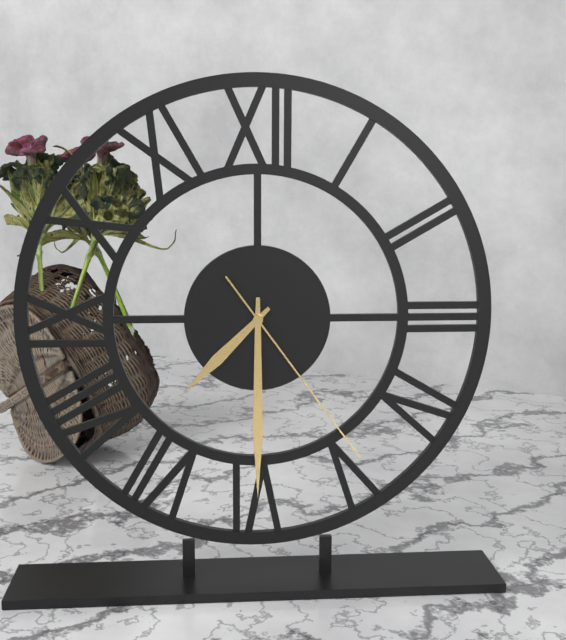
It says 7:30:24
